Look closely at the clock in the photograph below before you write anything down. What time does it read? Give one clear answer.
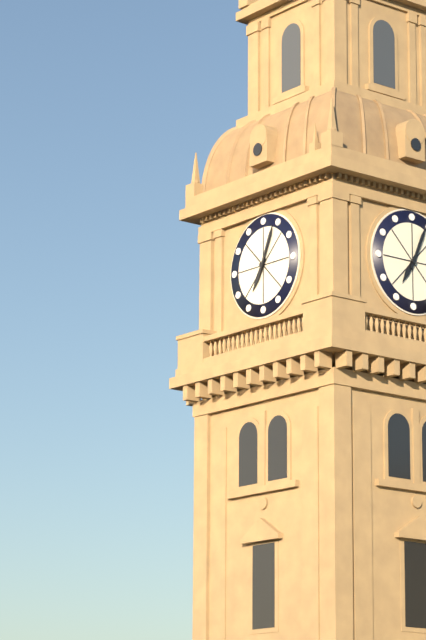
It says 7:04
